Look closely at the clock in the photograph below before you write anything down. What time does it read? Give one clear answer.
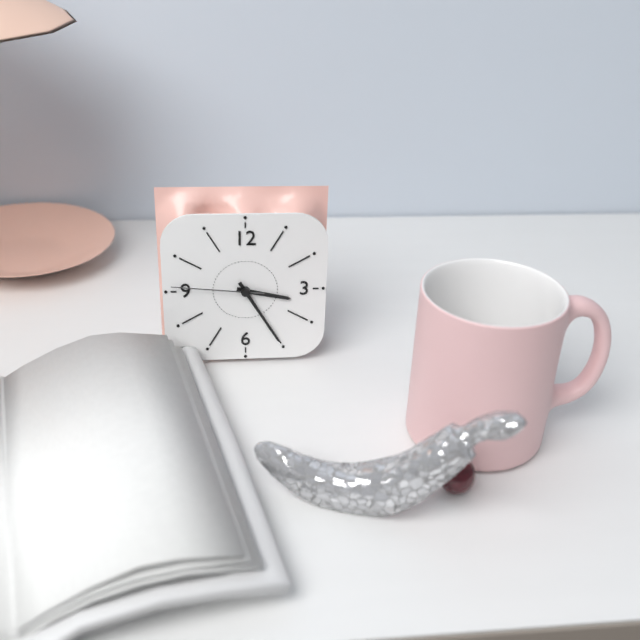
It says 3:25:46
